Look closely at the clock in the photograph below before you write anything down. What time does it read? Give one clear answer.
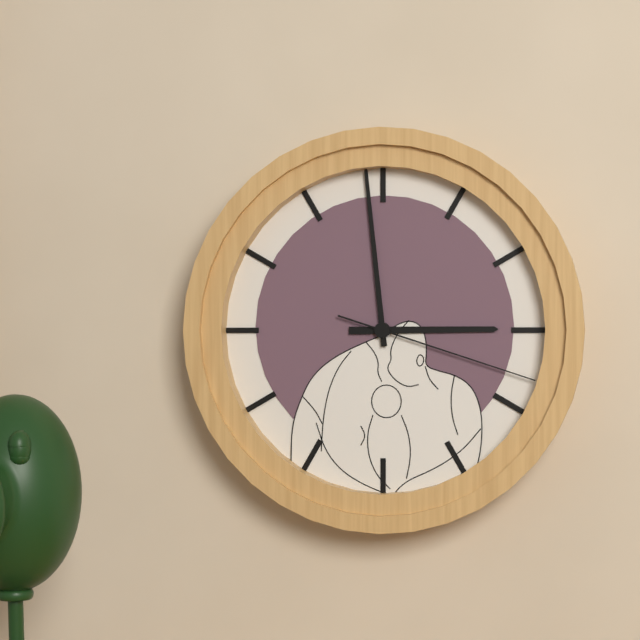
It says 2:59:18
